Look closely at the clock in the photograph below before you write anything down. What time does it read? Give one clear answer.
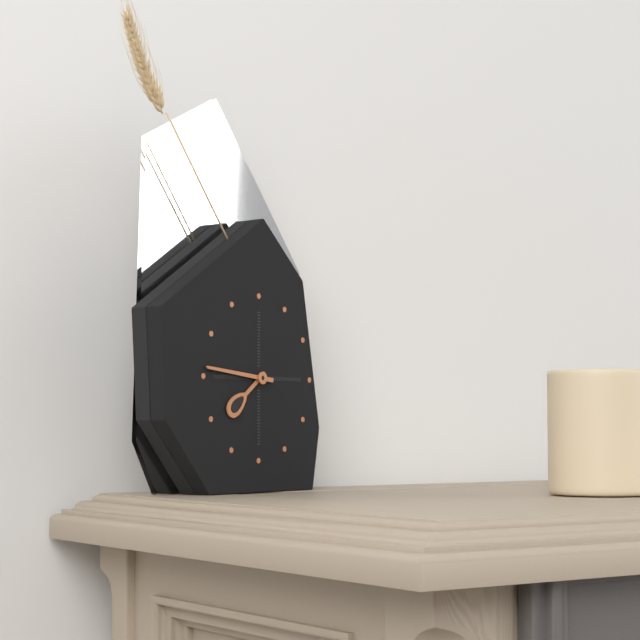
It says 7:46
